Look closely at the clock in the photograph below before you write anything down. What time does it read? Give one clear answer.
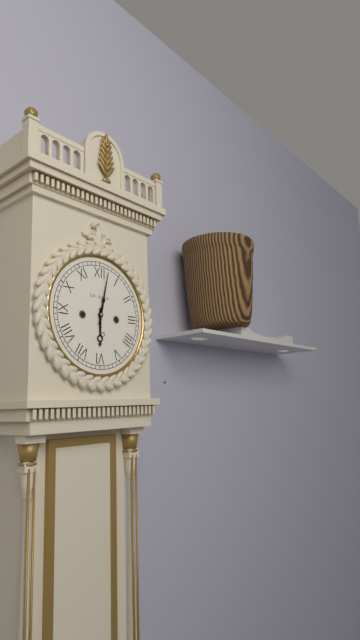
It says 6:02
